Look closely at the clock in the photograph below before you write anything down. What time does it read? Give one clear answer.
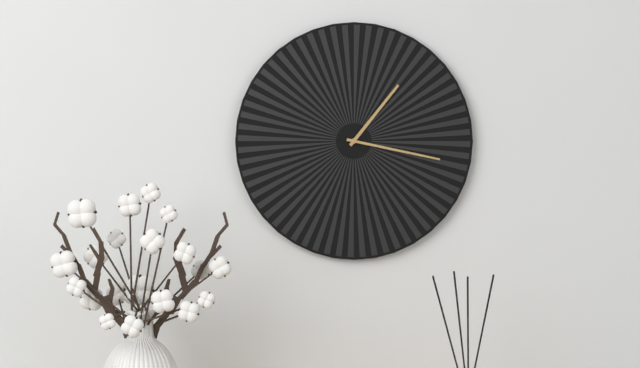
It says 1:17
